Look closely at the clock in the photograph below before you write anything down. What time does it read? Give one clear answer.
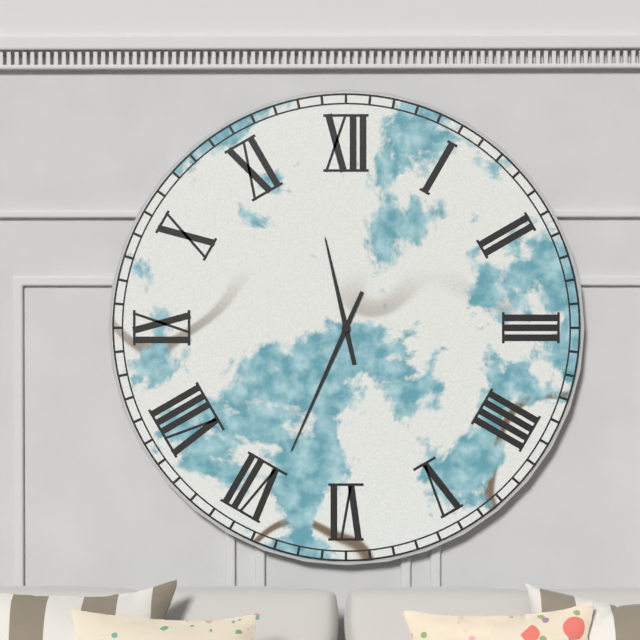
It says 11:34
